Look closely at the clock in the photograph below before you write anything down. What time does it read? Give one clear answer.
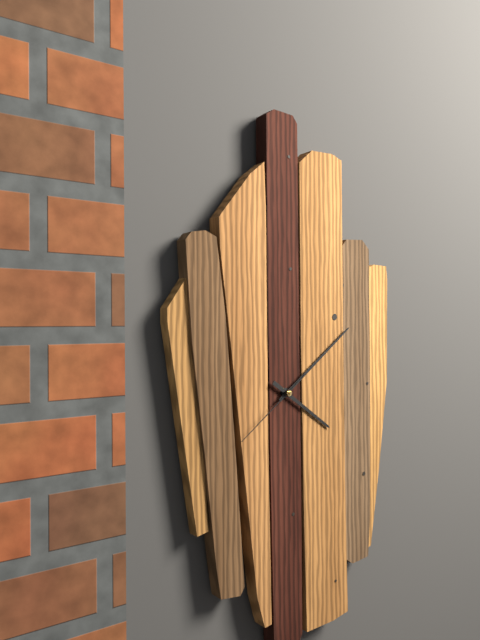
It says 4:09:39
